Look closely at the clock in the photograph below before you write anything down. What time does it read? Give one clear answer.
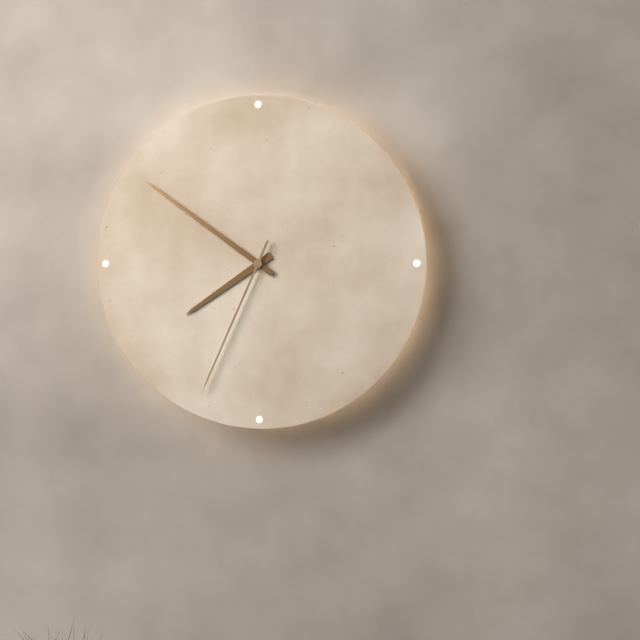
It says 7:51:34
